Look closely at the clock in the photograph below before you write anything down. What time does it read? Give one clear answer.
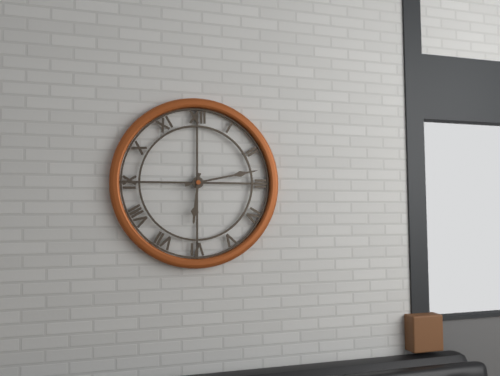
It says 6:13
